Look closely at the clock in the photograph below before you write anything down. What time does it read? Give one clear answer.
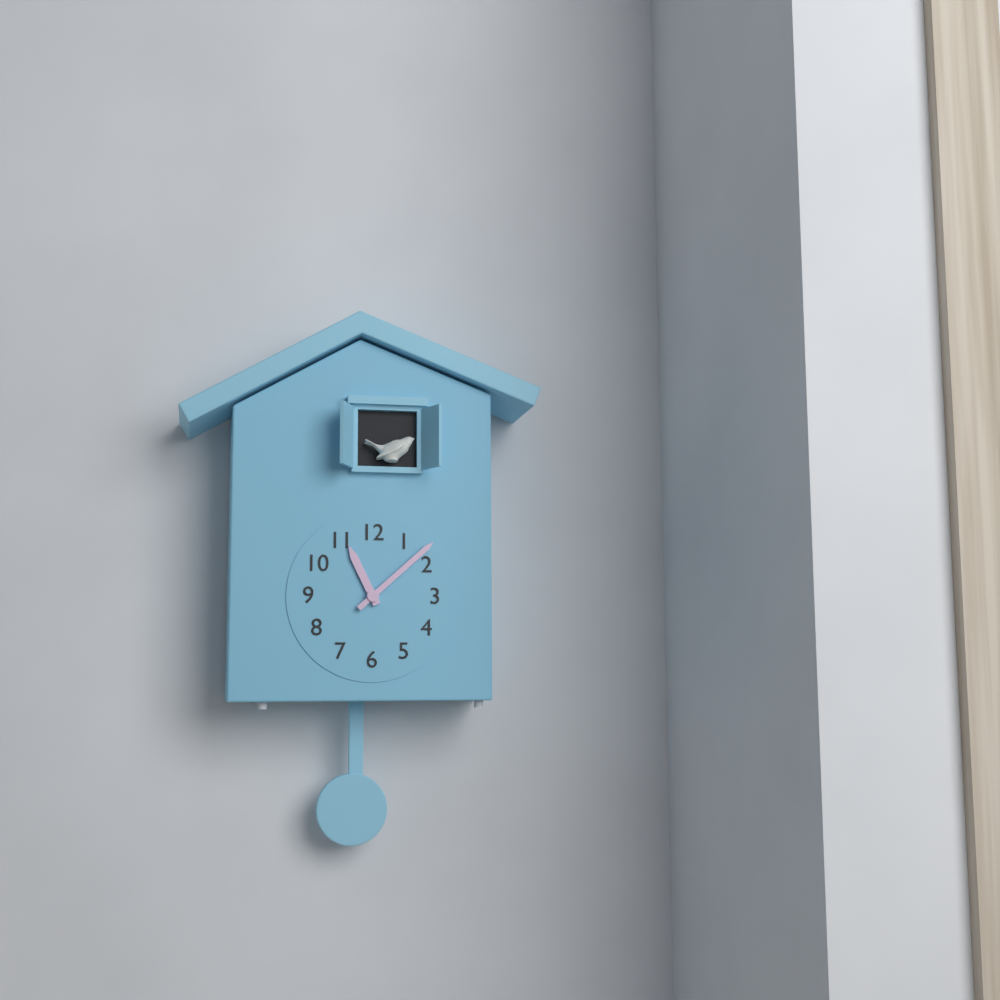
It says 11:08
